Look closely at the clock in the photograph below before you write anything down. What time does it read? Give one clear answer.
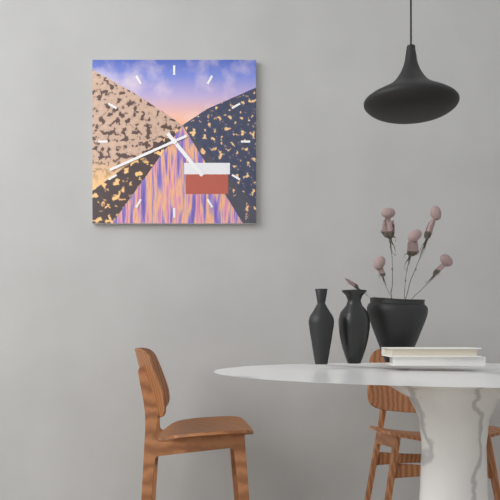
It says 4:41
